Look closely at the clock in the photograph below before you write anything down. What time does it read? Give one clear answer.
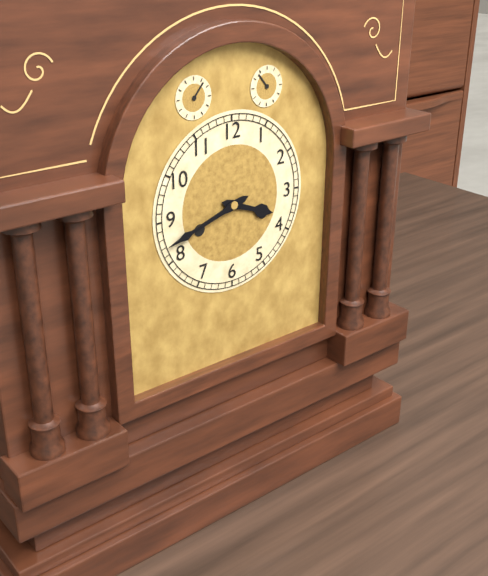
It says 3:42
